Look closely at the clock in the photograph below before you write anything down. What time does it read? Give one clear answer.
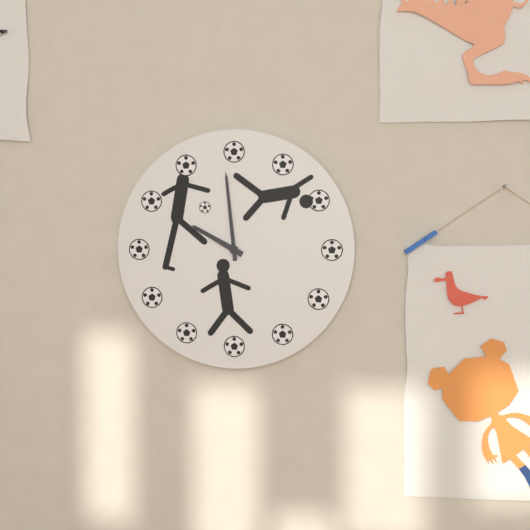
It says 9:59
